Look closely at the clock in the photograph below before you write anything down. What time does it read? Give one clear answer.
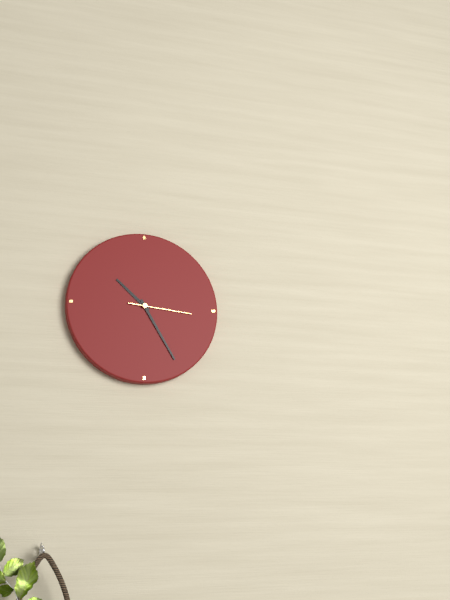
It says 10:25:16
